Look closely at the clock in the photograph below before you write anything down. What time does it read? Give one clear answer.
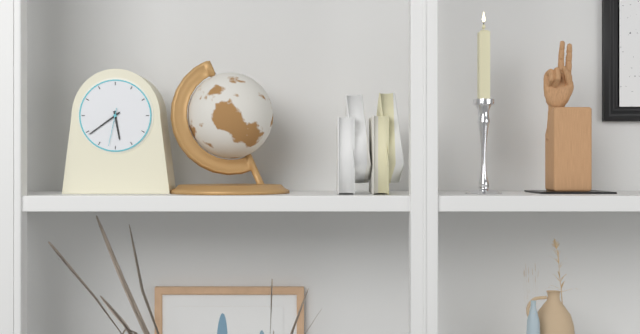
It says 5:39
